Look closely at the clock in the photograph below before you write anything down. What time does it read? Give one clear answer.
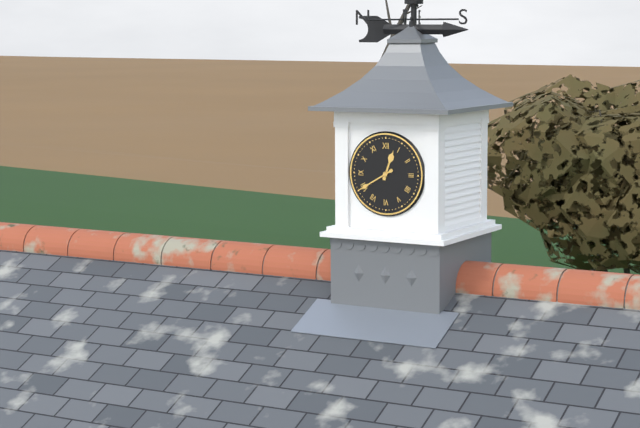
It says 12:40
